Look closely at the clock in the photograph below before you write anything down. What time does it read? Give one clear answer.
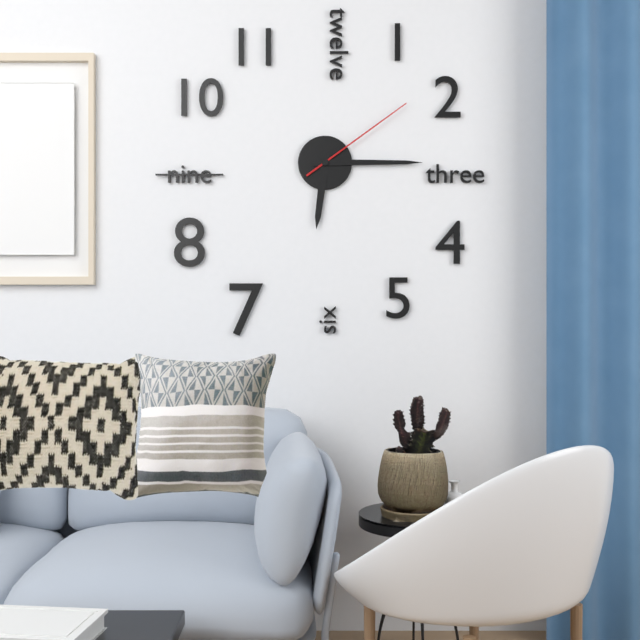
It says 6:15:09
